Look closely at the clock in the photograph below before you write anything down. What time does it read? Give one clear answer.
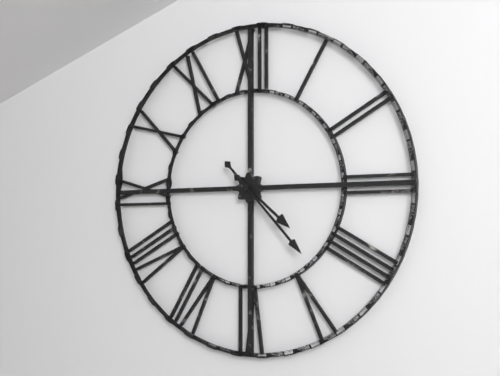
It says 4:23
